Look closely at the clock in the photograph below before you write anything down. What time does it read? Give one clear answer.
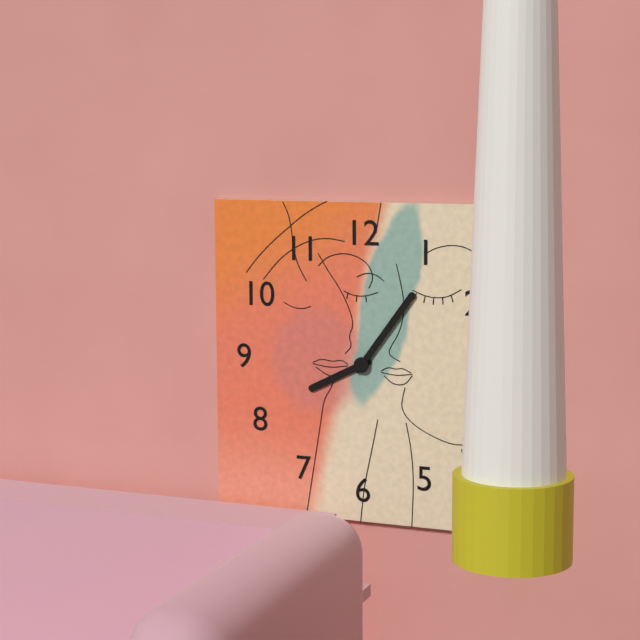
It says 8:06
